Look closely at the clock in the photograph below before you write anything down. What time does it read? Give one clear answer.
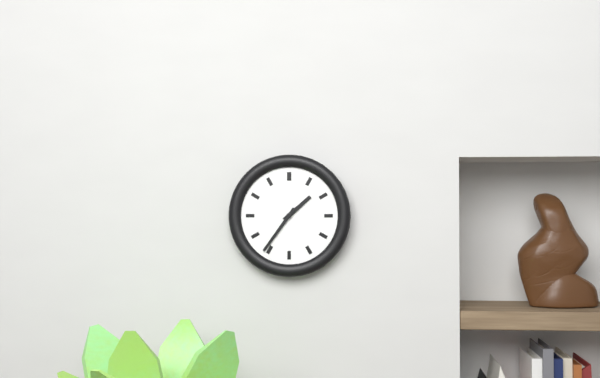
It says 1:36
